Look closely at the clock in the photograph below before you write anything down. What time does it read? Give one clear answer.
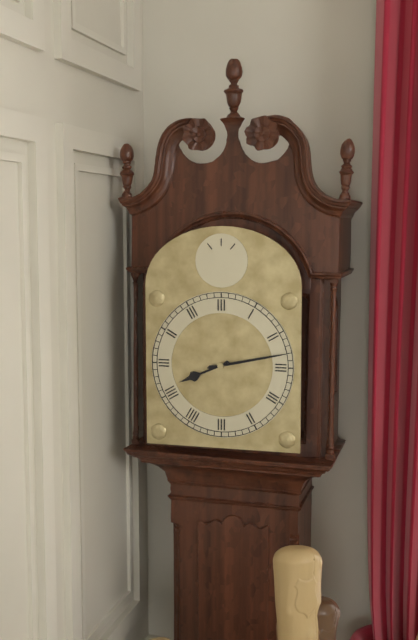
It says 8:13
